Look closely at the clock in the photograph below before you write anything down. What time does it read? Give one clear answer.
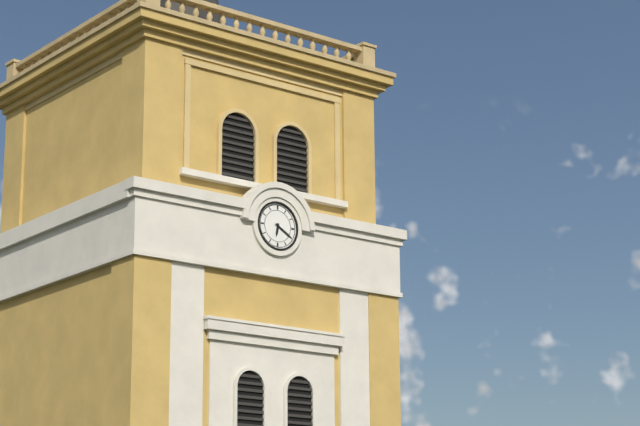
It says 6:20
